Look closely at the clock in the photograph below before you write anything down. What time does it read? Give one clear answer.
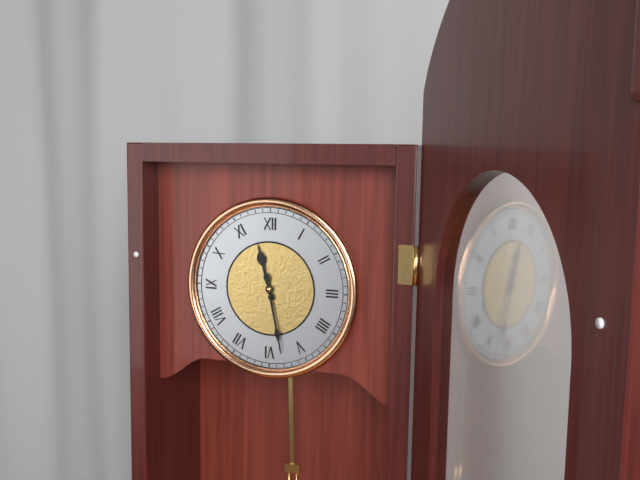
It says 11:28
